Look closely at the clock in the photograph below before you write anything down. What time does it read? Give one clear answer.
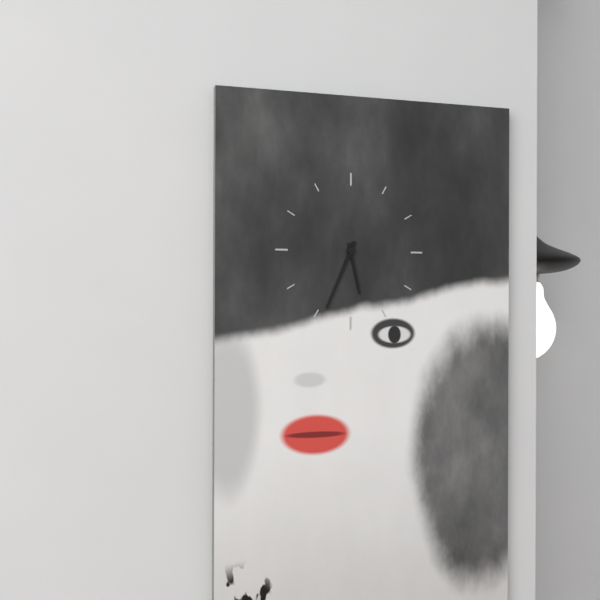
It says 5:34
